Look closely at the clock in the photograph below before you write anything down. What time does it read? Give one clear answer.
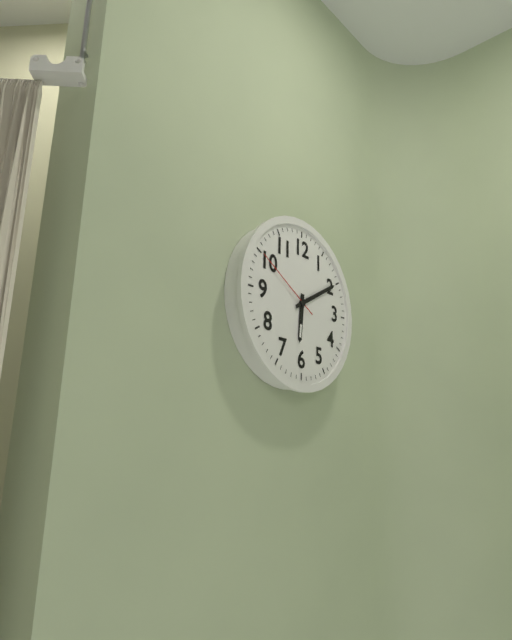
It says 6:10:50
